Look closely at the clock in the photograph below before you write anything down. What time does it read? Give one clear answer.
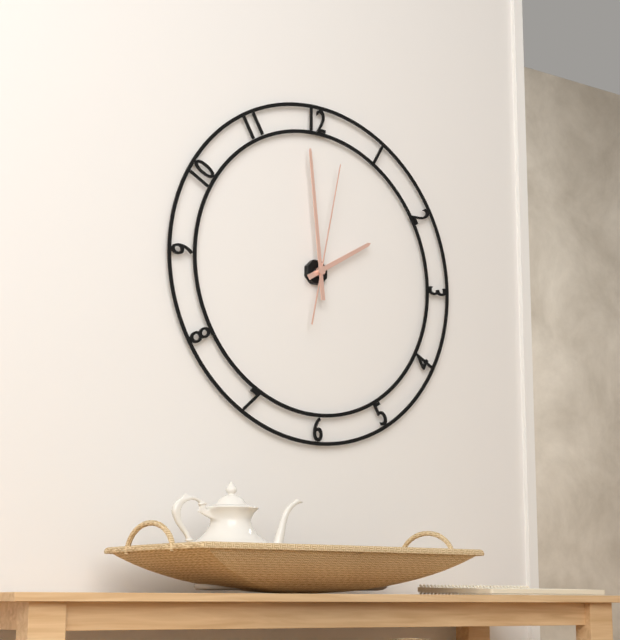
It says 1:59:02
